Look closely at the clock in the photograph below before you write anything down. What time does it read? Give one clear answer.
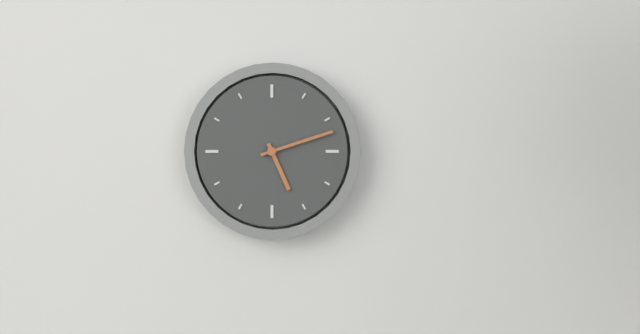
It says 5:12
